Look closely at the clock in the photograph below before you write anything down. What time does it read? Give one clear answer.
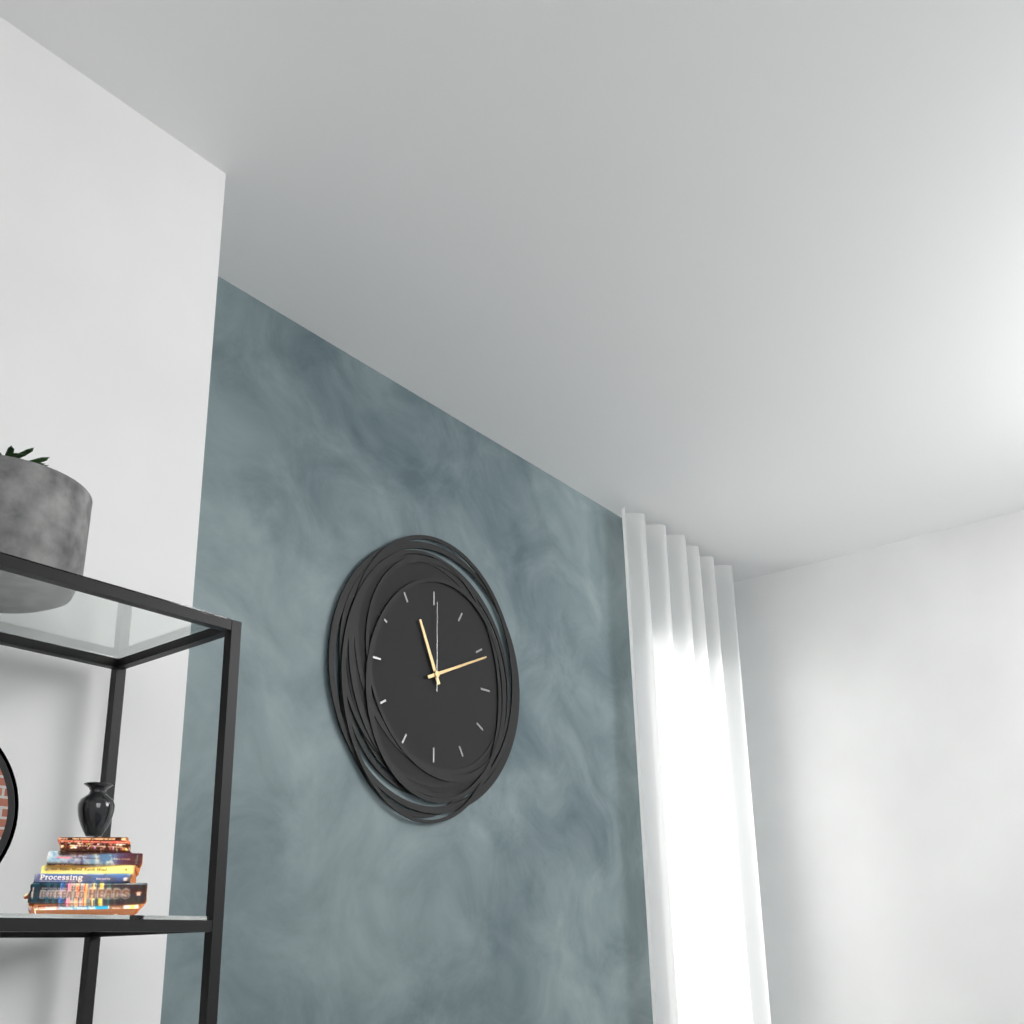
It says 11:11:00
